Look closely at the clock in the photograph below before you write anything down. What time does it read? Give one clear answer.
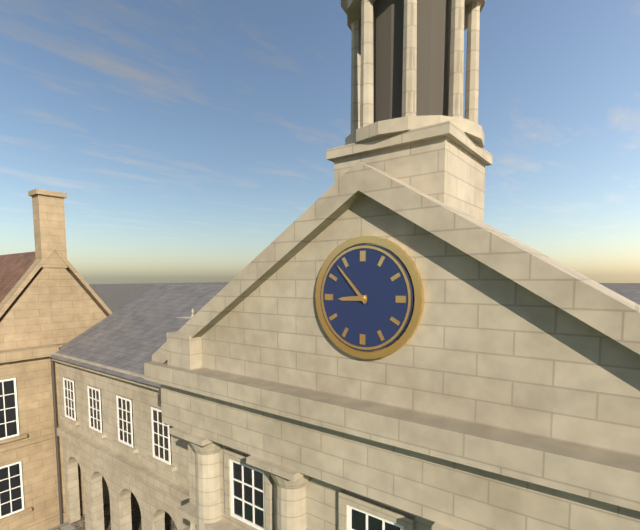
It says 8:53
